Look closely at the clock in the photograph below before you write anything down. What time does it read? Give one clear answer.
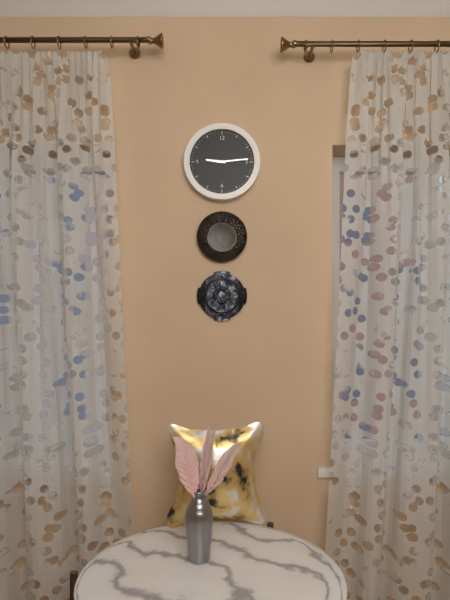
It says 9:14
